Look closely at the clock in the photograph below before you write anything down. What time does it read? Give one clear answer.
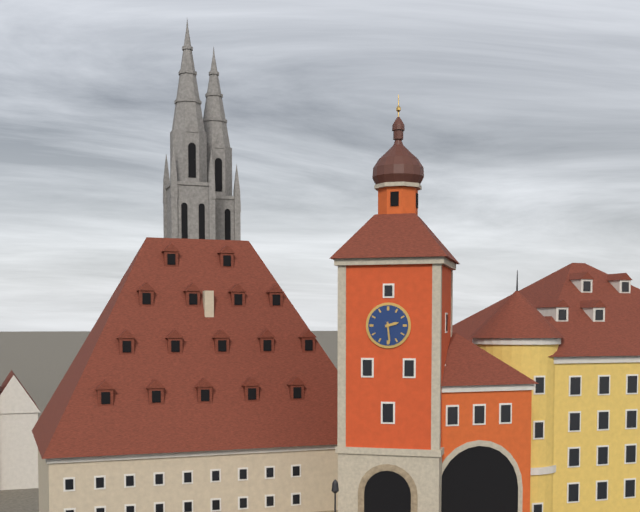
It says 2:29
